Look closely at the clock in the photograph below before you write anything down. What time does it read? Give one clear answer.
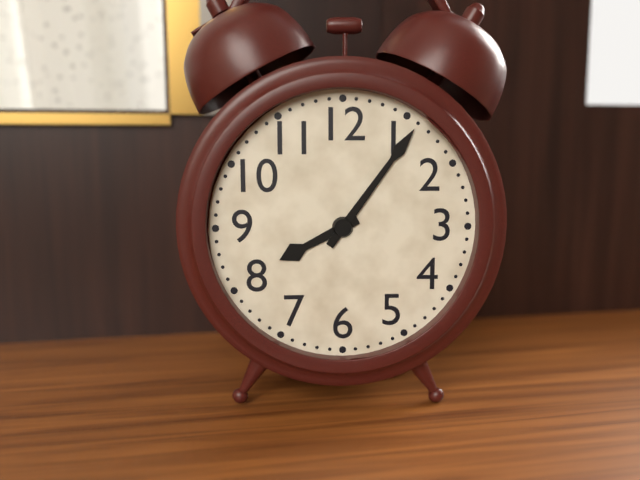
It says 8:06
